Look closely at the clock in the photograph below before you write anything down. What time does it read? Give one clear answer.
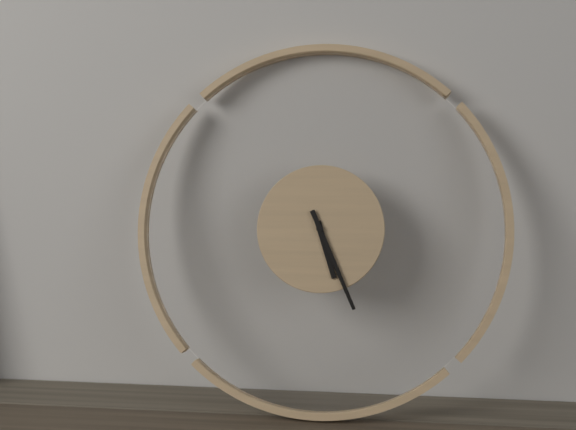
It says 5:26
